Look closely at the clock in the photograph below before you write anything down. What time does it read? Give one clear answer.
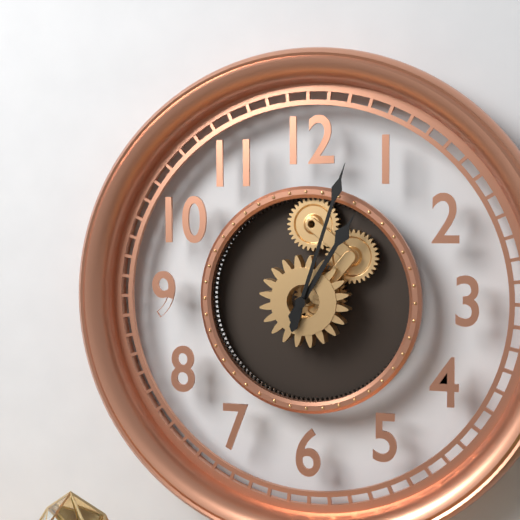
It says 1:03
